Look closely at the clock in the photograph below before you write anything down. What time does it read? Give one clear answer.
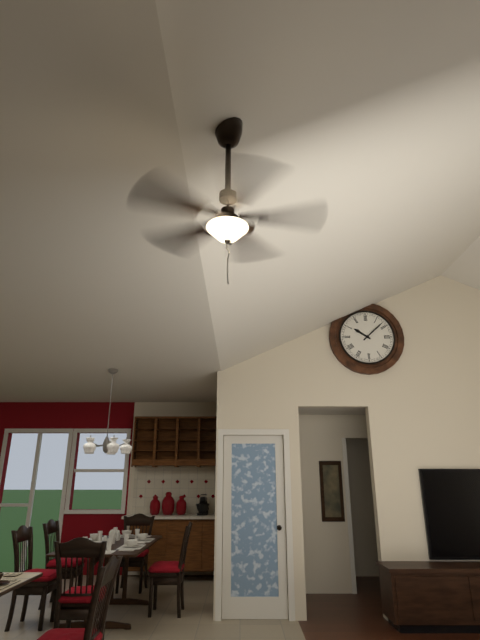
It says 10:08
